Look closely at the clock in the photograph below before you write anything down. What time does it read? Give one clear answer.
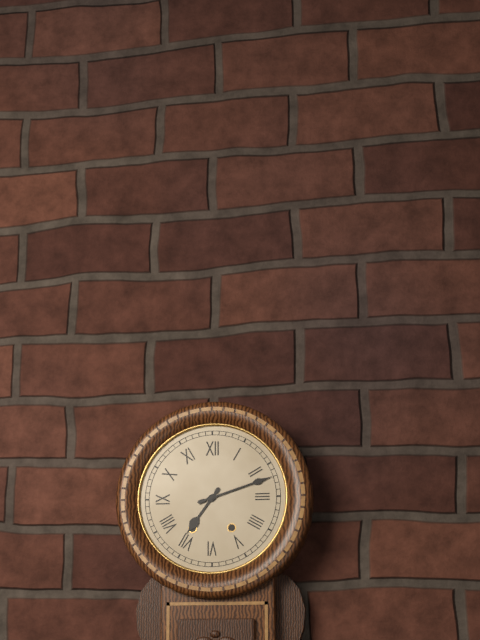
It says 7:12
